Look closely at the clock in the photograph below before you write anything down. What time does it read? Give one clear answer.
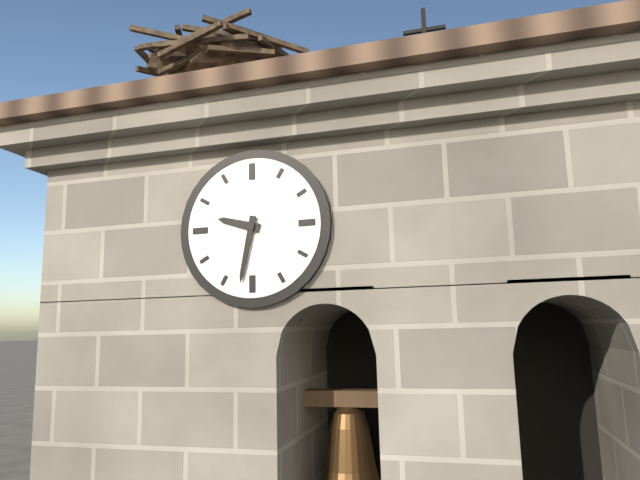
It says 9:32
